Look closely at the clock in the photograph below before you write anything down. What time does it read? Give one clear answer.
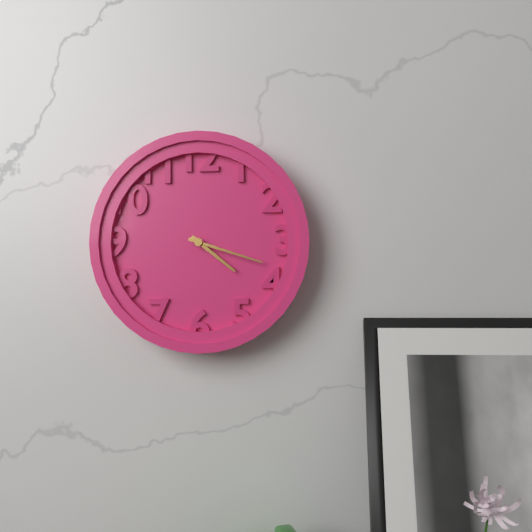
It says 4:18
